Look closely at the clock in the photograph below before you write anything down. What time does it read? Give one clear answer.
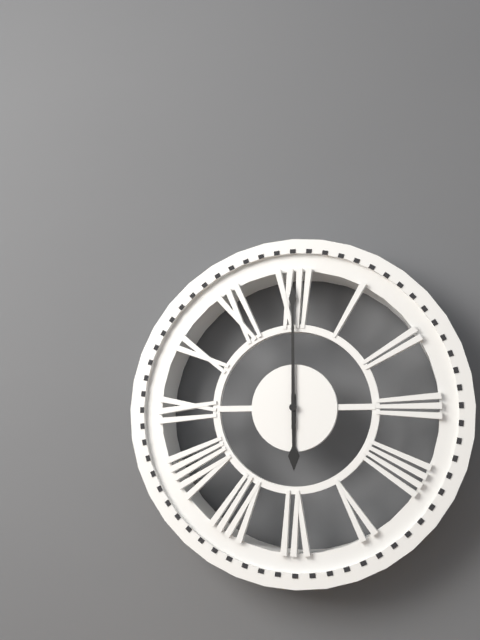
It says 6:00
